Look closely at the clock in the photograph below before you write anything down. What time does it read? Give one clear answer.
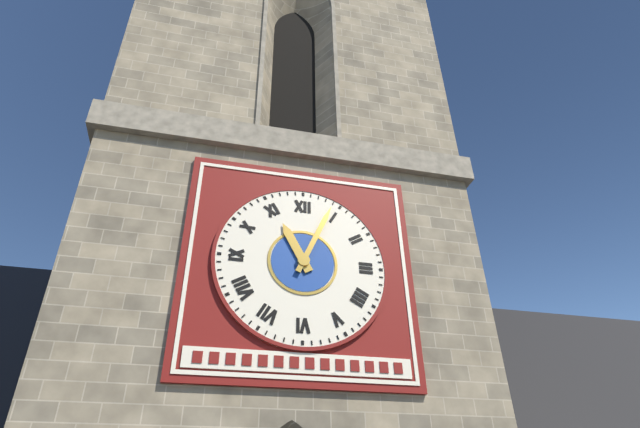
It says 11:04
